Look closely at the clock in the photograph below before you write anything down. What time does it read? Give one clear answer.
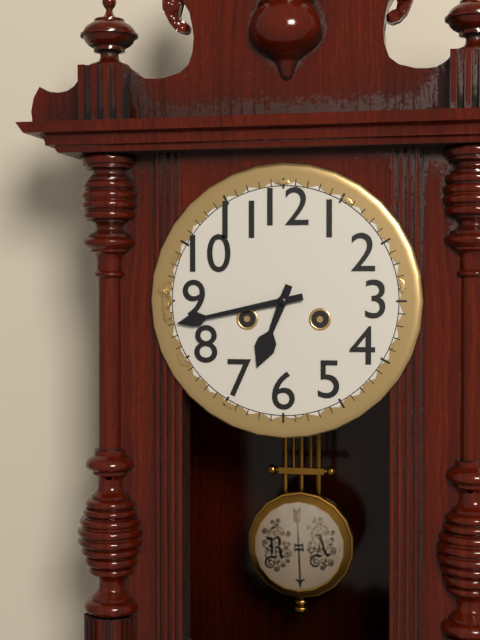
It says 6:43
